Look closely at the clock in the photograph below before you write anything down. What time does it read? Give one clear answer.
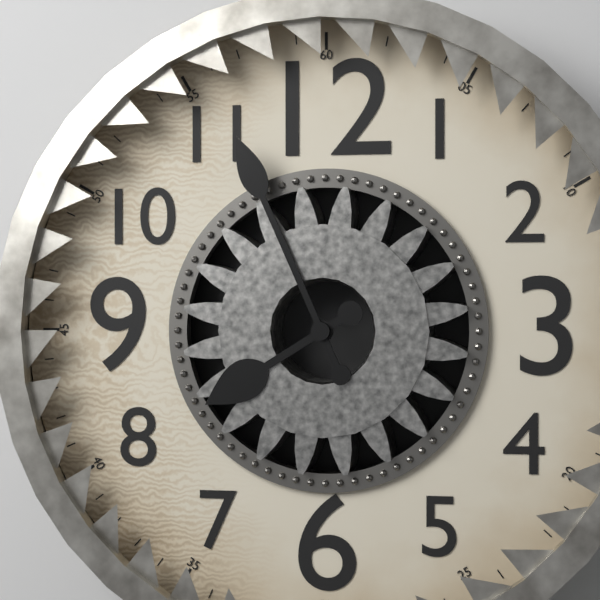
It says 7:56
